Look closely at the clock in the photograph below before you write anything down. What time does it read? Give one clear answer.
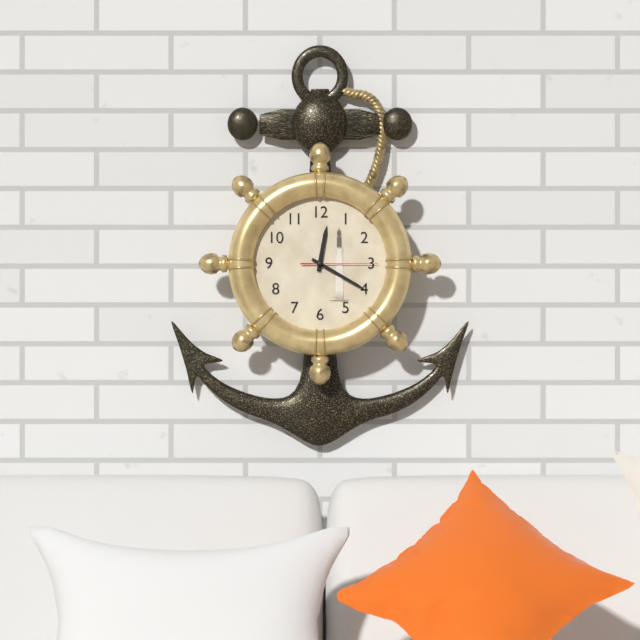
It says 12:20:15
